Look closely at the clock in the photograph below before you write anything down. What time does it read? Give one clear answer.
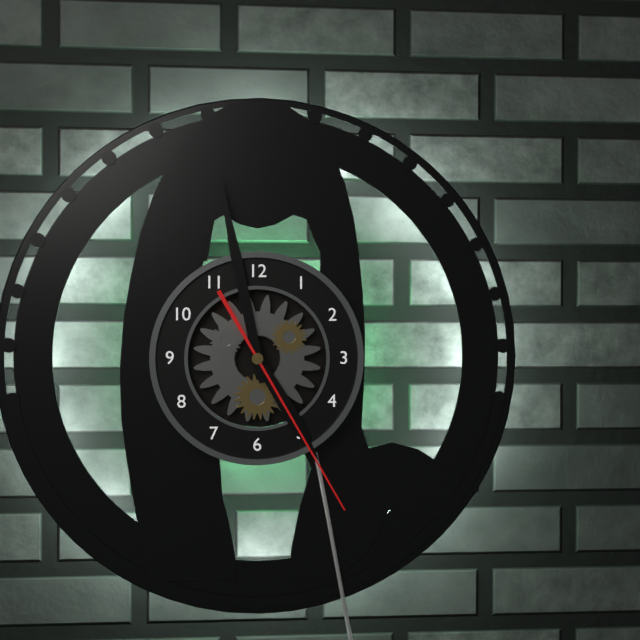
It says 4:58:25
